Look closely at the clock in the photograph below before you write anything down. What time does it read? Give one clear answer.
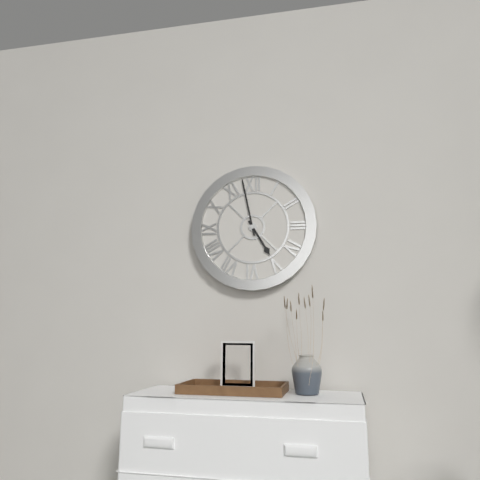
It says 4:58
